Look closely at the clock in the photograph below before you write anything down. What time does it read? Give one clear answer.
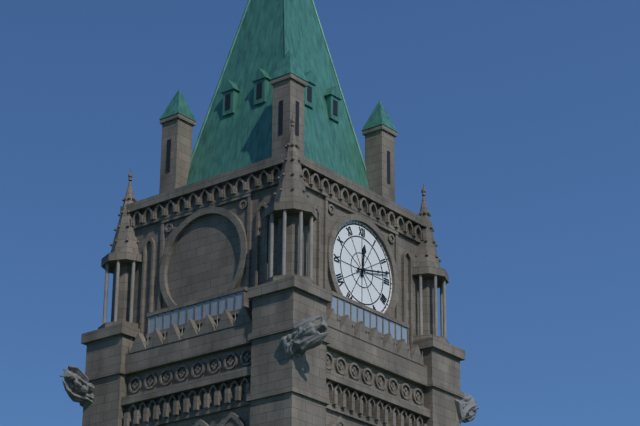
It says 12:13
